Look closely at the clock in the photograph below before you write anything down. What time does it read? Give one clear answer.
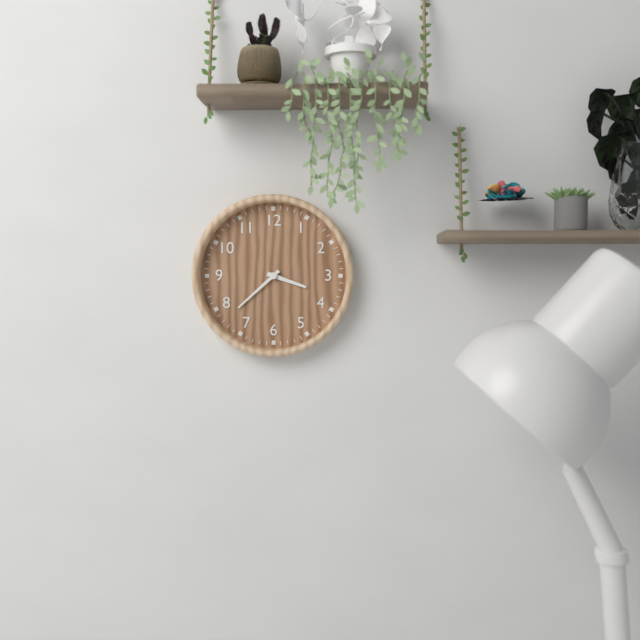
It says 3:38
